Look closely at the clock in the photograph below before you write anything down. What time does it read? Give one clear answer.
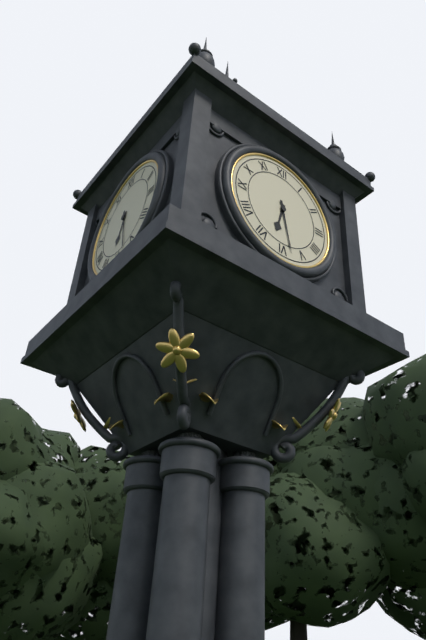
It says 6:28
